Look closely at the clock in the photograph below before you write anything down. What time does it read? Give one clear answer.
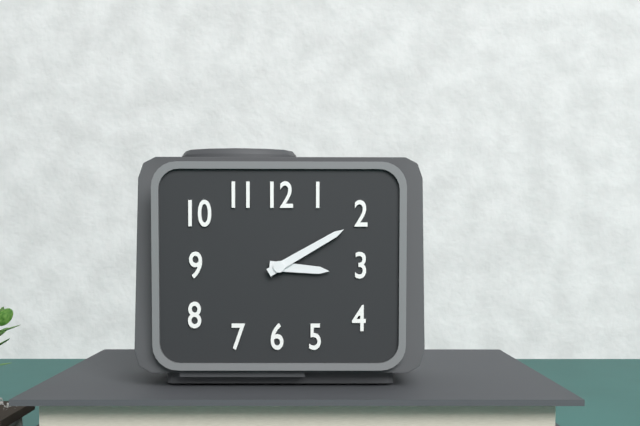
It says 3:10
